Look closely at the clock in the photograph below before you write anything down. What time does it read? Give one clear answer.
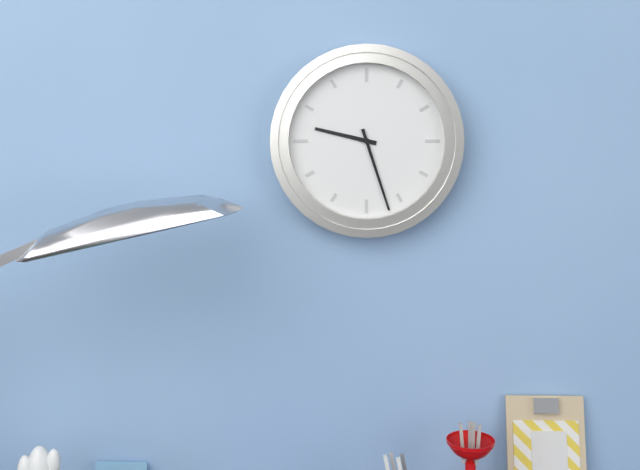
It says 9:27
